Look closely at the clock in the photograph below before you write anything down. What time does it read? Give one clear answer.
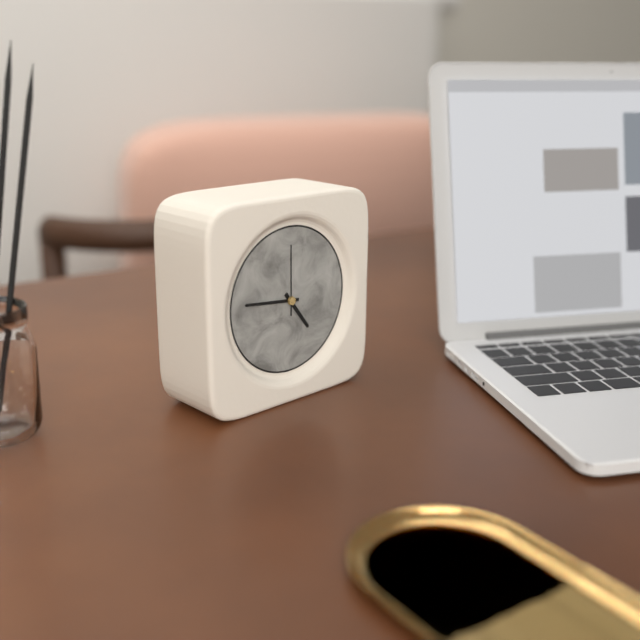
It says 4:46:00
